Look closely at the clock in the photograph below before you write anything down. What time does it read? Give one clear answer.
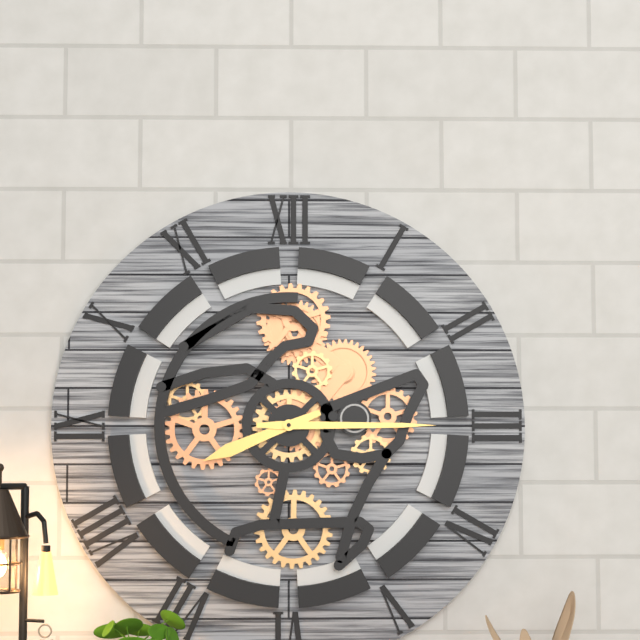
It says 8:15
